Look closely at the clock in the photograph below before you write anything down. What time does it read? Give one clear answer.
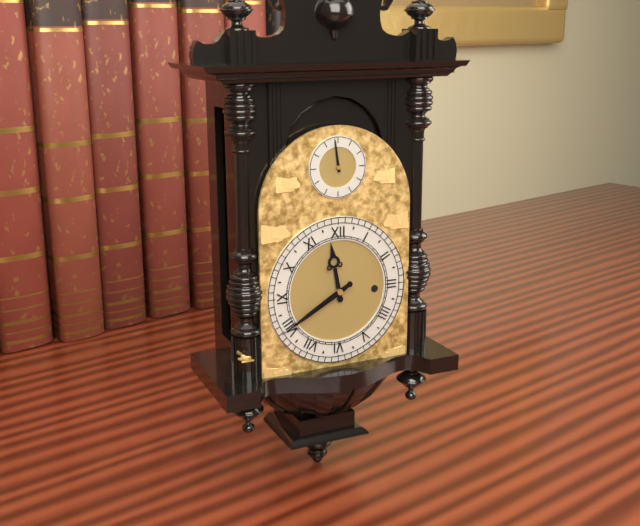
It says 11:40
